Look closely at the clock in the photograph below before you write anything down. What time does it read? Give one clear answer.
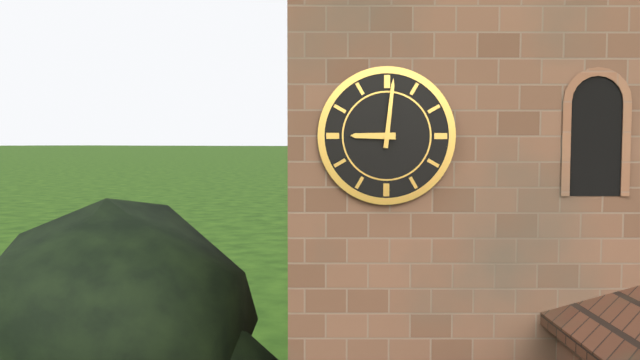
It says 9:01
